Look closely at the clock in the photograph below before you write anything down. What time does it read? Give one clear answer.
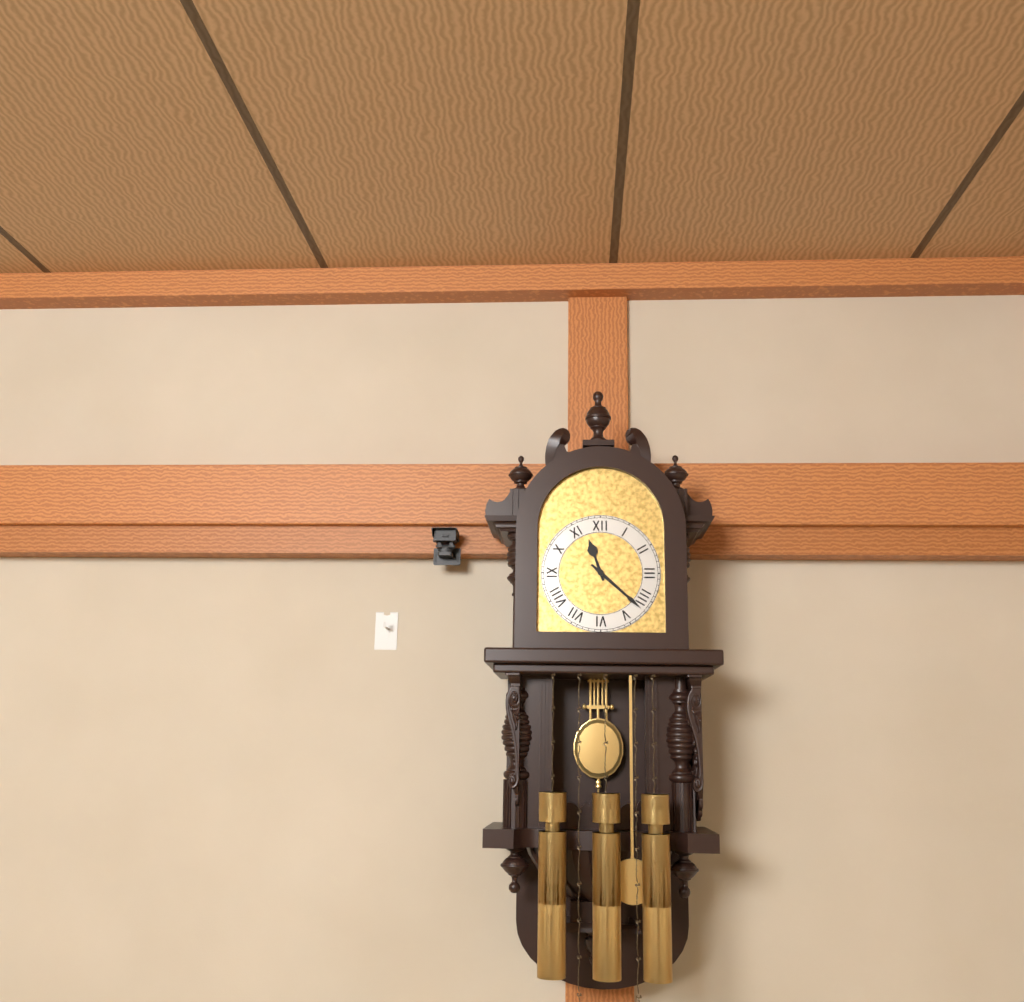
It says 11:22
